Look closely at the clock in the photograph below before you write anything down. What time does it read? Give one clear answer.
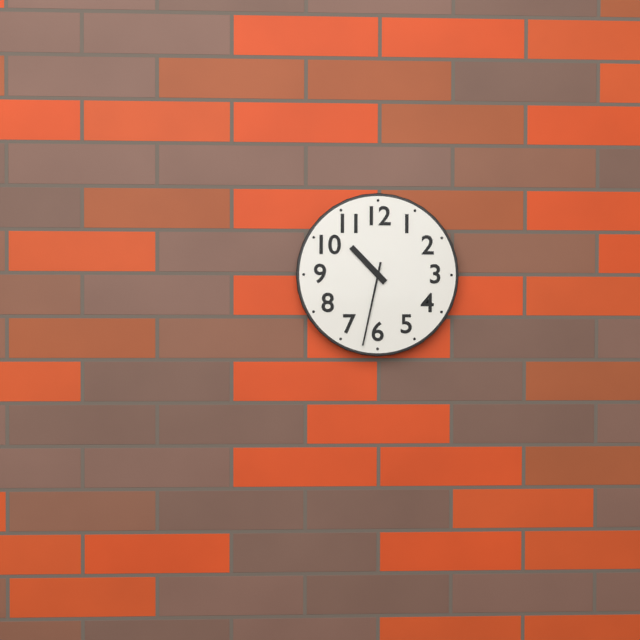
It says 10:32
